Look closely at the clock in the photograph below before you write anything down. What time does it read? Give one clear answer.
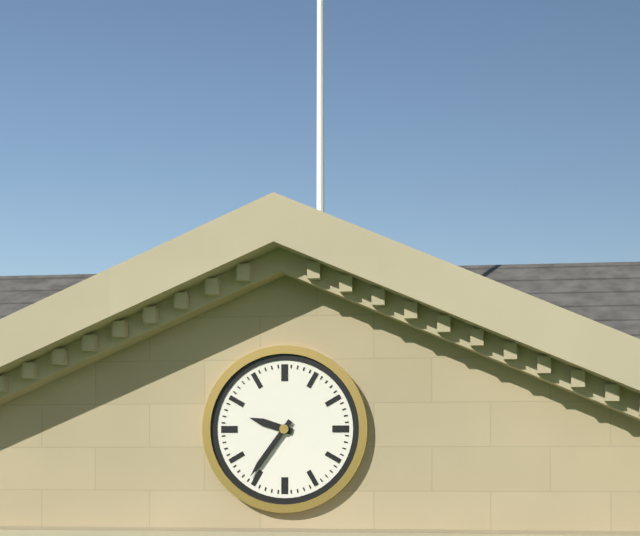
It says 9:36
